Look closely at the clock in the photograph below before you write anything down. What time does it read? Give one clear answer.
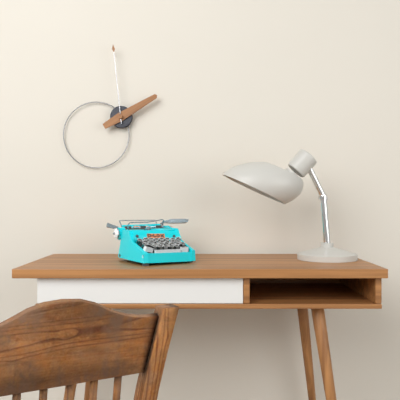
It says 1:59
